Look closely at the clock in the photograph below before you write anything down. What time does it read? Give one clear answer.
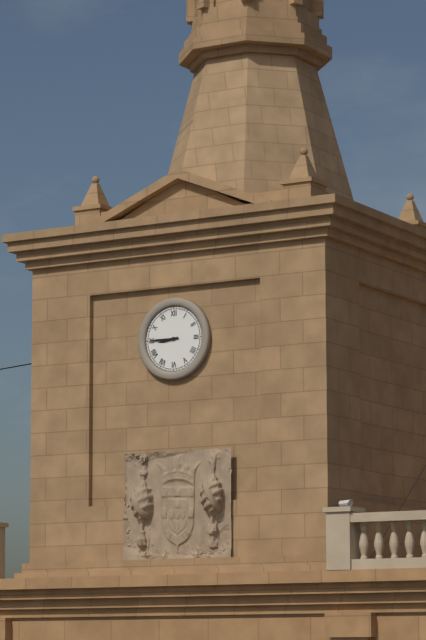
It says 8:45
